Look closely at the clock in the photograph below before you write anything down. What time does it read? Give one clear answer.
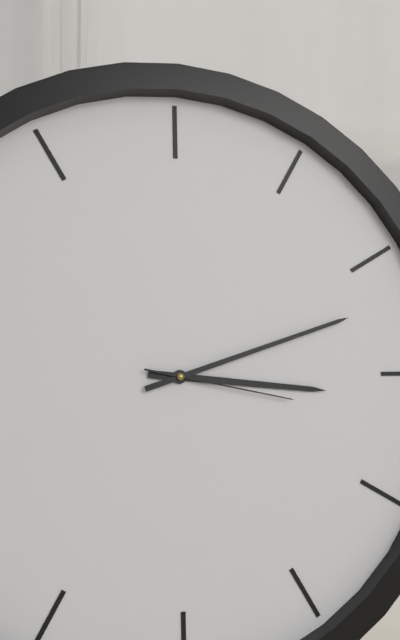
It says 3:12:17
